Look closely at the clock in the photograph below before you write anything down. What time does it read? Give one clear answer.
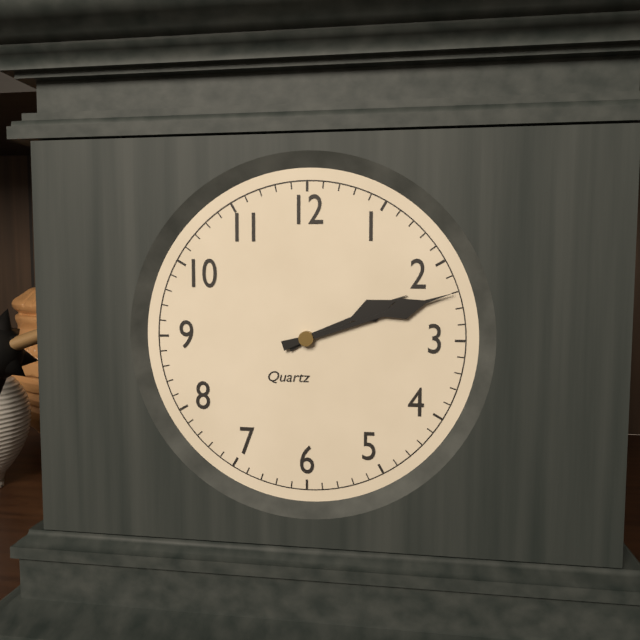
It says 2:12
